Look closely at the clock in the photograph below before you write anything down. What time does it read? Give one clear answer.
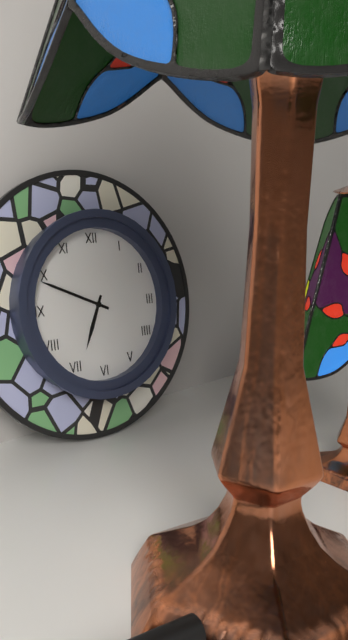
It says 6:49
